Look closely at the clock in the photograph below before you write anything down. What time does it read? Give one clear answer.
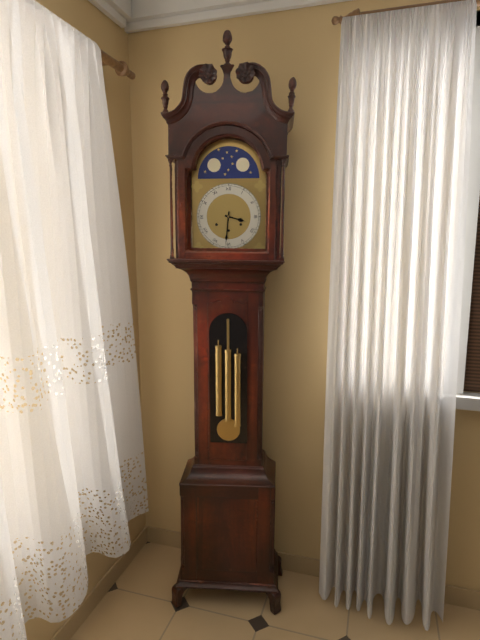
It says 3:31
